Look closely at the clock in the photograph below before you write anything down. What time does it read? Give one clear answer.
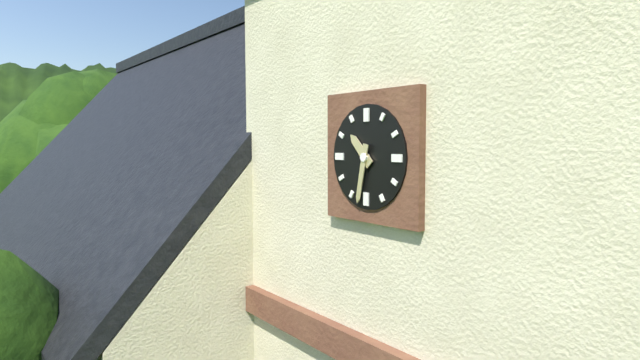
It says 10:32
